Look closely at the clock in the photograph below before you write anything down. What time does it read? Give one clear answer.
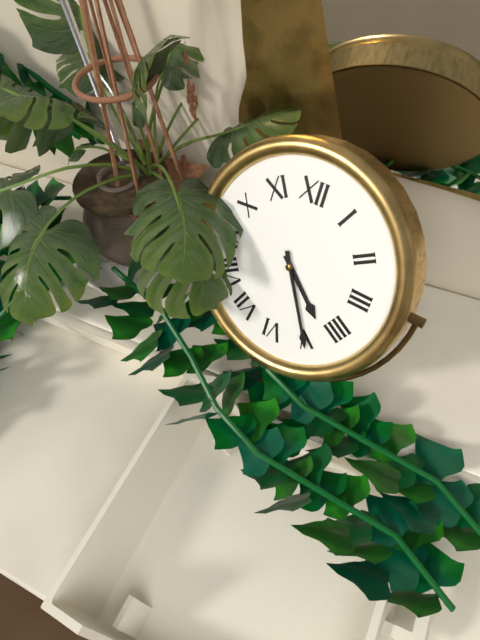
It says 4:25
